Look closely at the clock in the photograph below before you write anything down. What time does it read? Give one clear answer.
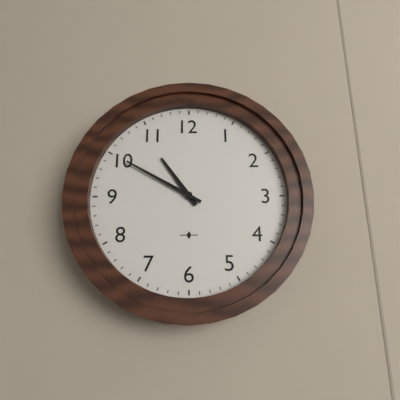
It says 10:50
